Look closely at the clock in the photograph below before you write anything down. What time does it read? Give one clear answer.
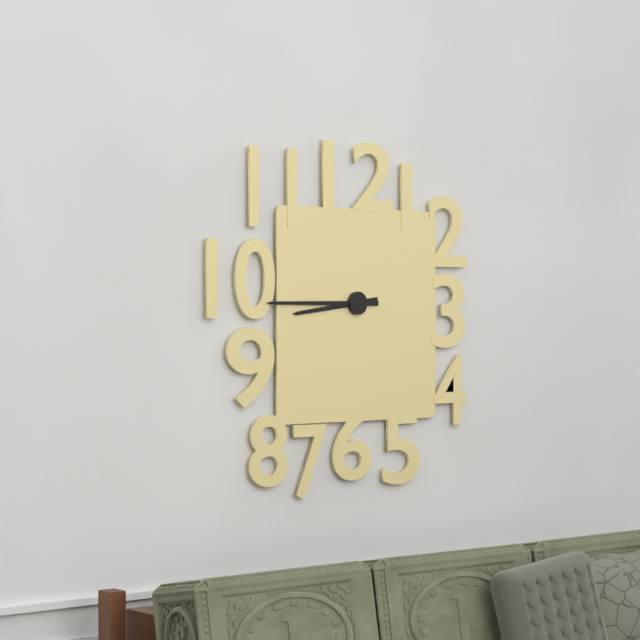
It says 8:45
